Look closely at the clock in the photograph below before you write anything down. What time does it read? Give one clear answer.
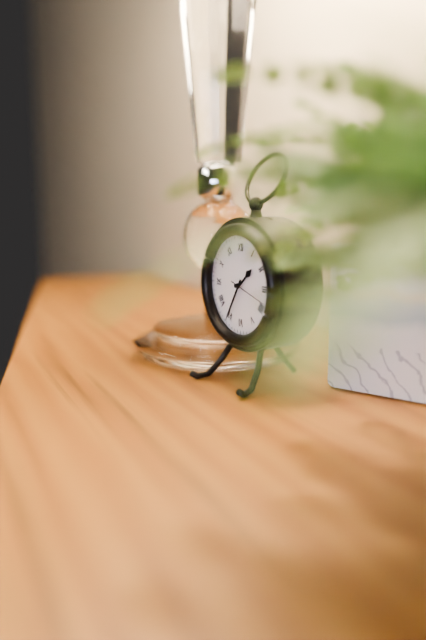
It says 1:35
